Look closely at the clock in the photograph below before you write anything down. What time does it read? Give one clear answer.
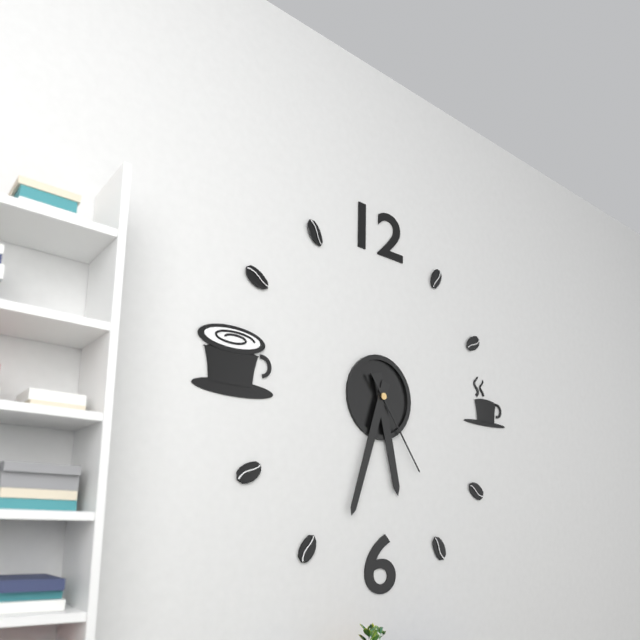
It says 5:33:24
